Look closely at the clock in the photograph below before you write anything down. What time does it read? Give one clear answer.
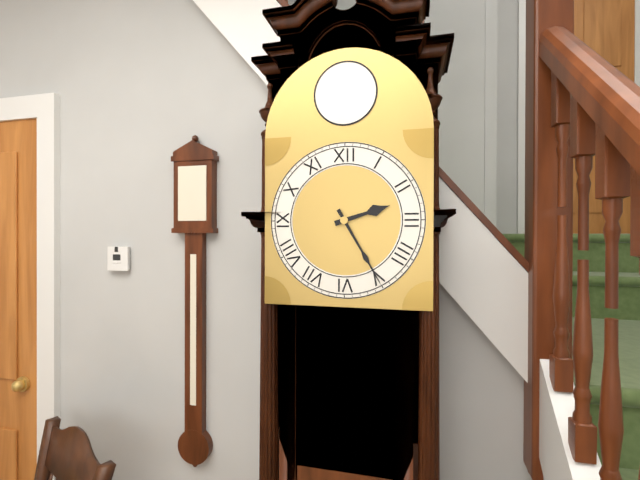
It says 2:25
